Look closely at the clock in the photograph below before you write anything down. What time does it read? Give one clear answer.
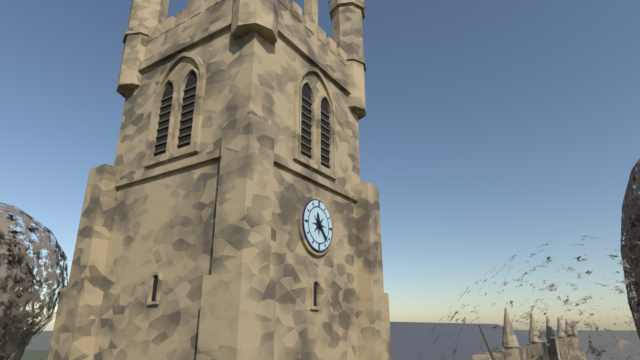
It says 11:23
